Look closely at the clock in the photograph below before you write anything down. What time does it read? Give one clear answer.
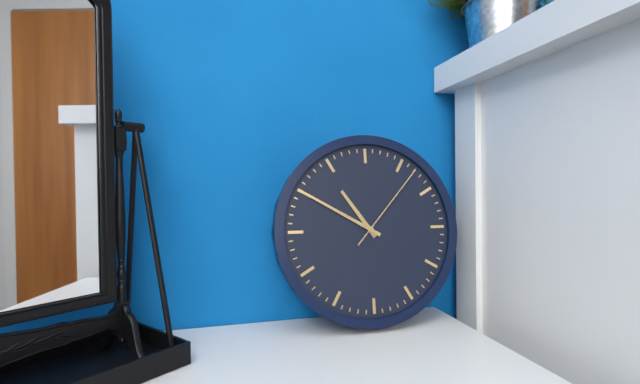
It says 10:50:07
